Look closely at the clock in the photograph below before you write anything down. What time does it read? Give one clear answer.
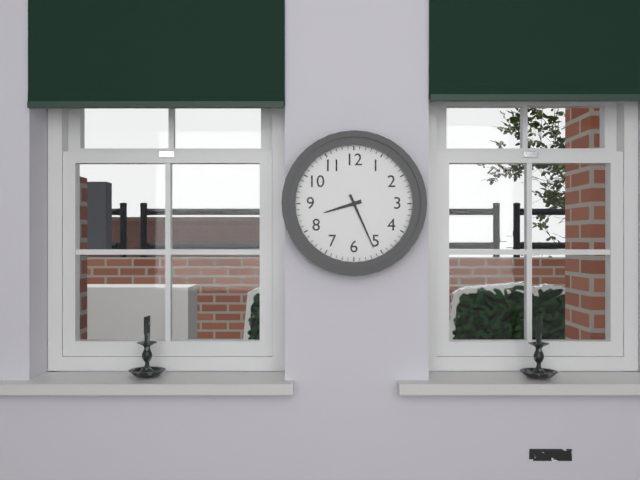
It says 8:26
